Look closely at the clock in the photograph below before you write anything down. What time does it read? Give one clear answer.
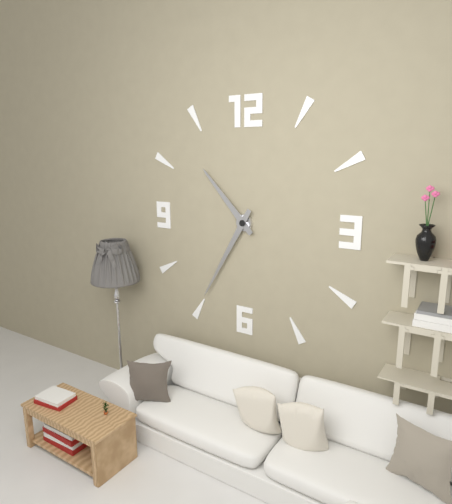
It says 10:35
